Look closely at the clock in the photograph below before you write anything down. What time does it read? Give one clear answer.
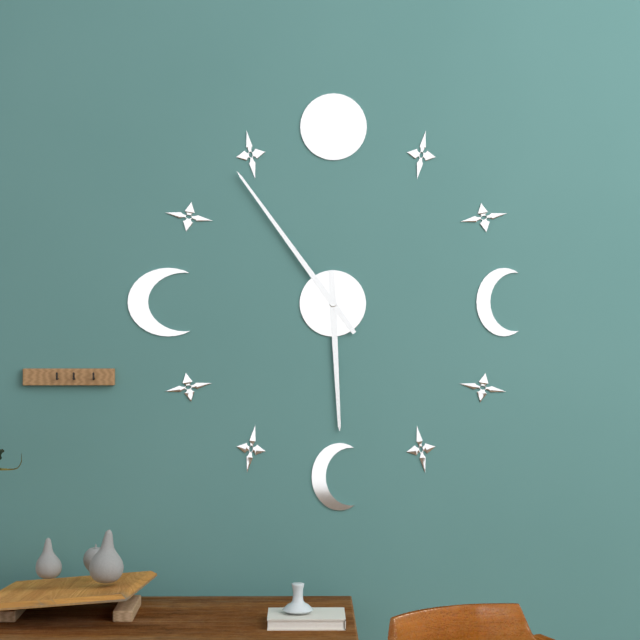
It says 5:54
